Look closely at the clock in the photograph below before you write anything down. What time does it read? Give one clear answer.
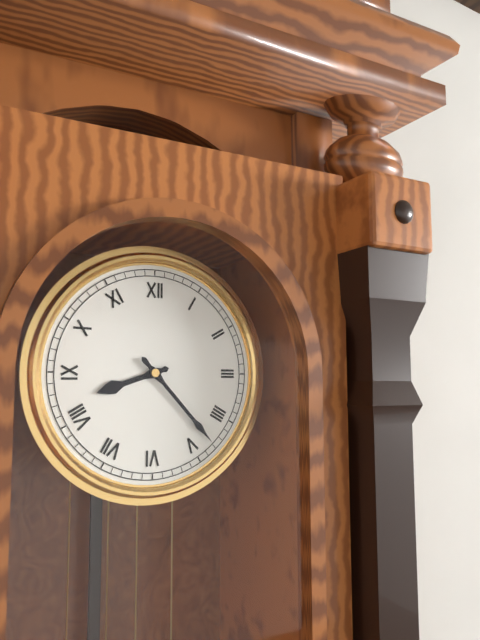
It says 8:23
